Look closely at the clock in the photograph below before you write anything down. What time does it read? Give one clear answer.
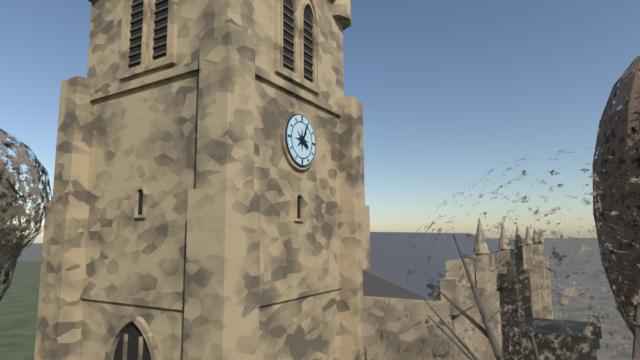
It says 4:04
